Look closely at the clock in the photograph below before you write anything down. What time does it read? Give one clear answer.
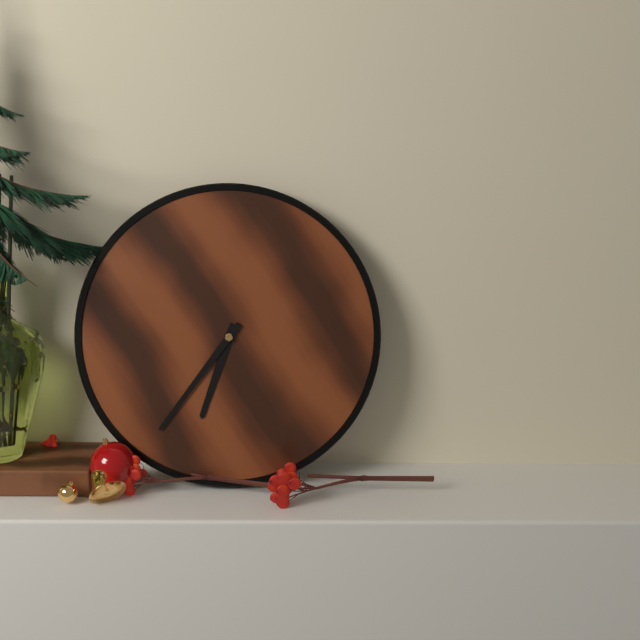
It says 6:36
